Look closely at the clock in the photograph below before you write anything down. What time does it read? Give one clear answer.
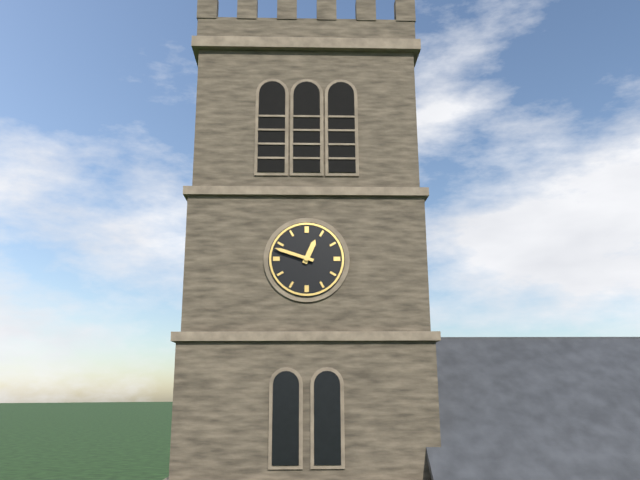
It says 12:48
